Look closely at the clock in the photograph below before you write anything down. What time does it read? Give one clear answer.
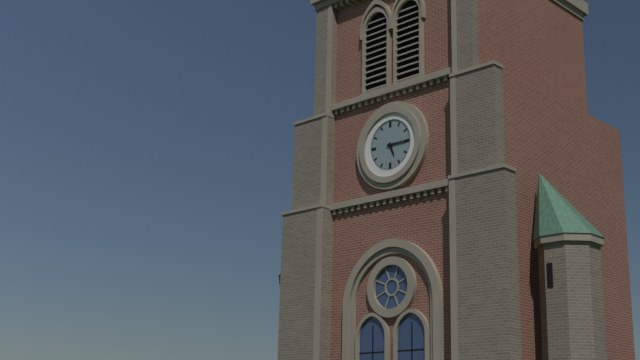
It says 5:15
